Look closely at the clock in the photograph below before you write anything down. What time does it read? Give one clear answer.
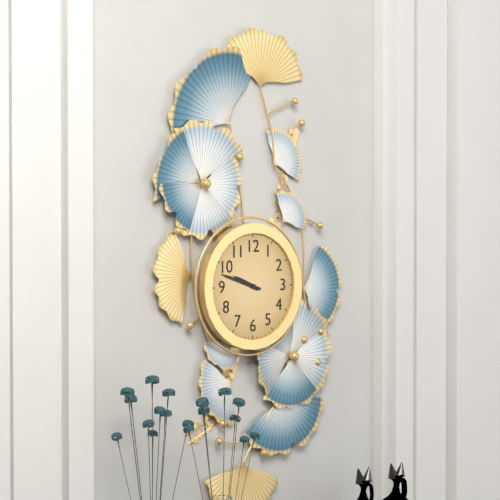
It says 9:48
